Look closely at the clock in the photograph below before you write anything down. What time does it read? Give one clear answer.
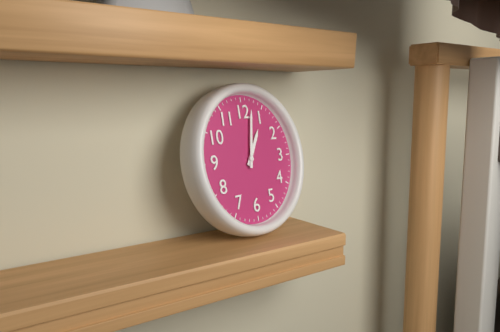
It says 1:02
